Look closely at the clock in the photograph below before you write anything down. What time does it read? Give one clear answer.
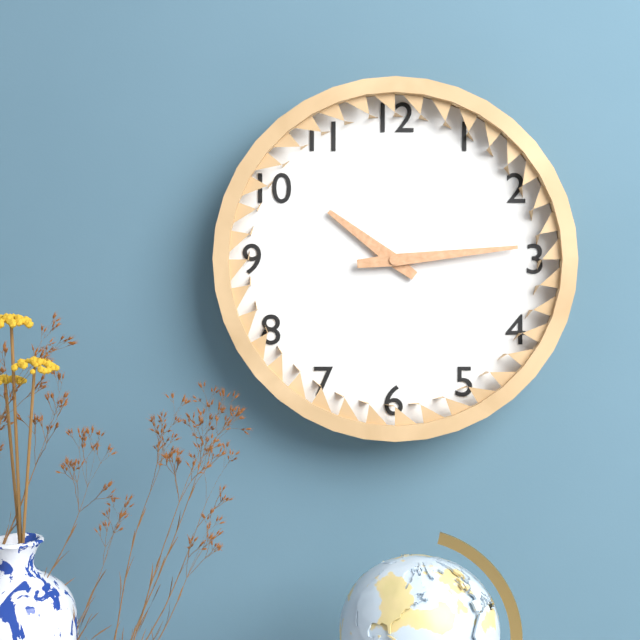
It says 10:14
